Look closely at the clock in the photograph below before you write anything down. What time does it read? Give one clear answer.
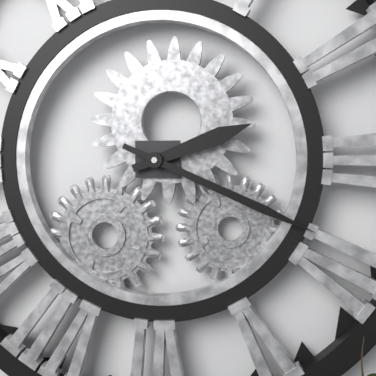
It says 2:19
